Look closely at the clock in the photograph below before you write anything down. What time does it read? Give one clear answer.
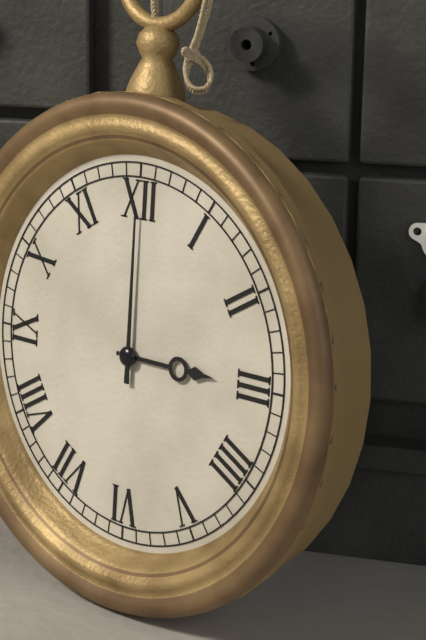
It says 3:00
